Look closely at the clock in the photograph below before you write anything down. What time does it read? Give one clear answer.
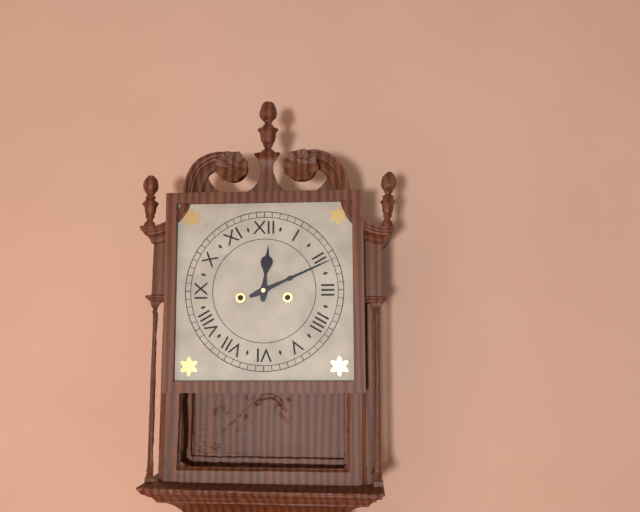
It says 12:11
